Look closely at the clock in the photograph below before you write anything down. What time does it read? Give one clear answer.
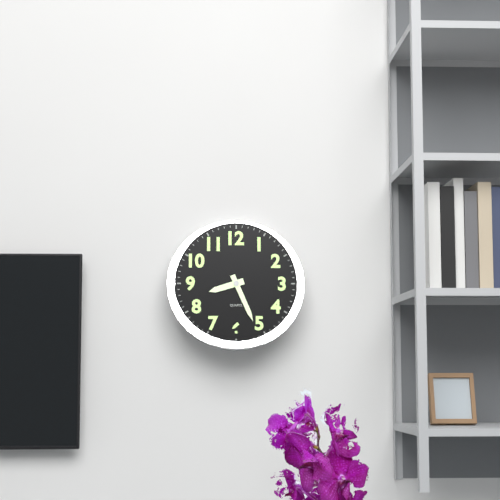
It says 8:26
